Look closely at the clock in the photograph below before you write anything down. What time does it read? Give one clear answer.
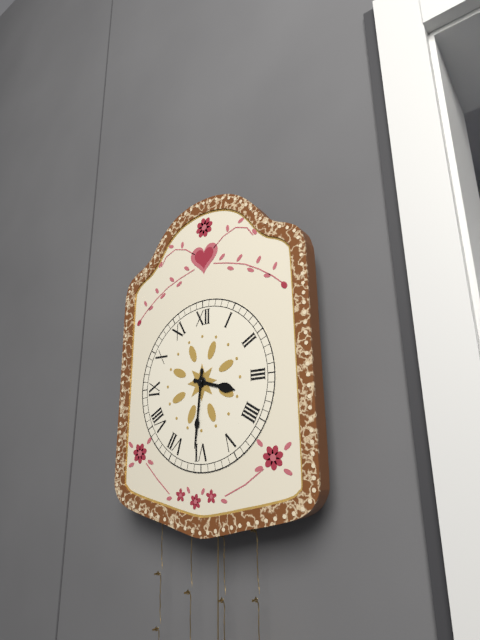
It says 3:31
